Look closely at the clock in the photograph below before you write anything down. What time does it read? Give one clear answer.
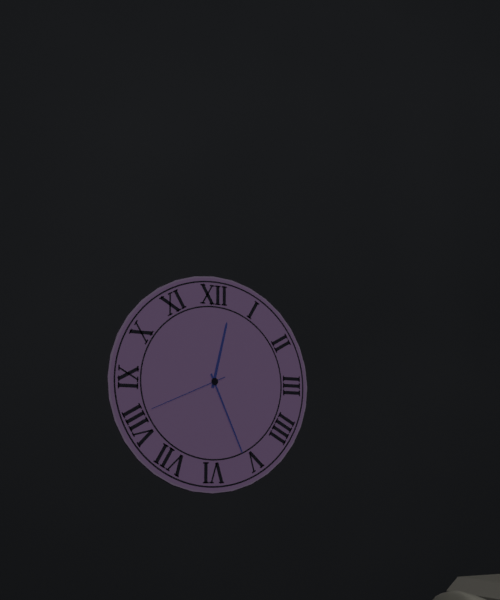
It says 12:26:41
